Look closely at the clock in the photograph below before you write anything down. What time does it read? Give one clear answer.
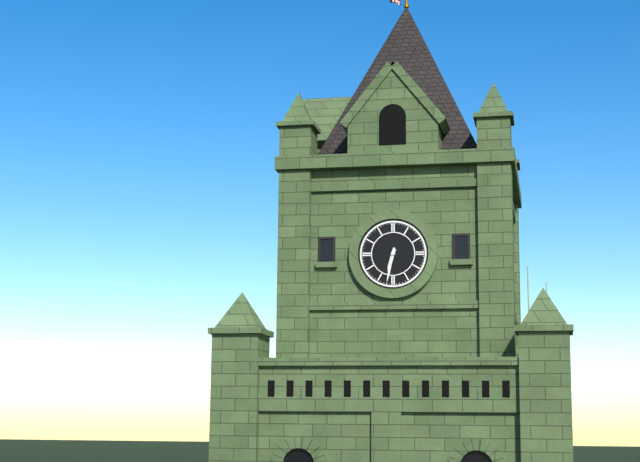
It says 6:32
